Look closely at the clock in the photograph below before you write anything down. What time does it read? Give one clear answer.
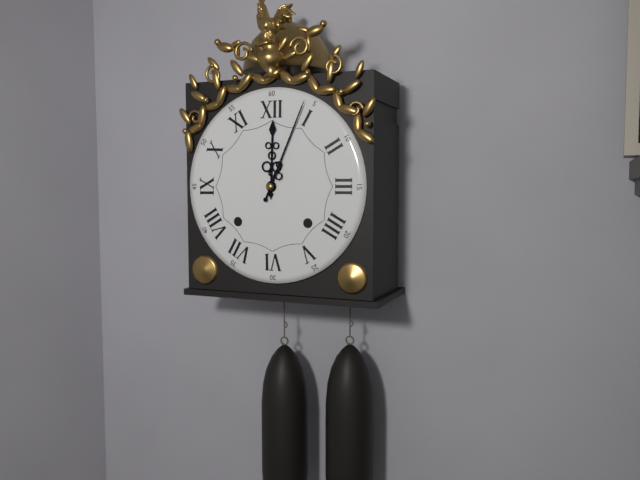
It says 12:04
